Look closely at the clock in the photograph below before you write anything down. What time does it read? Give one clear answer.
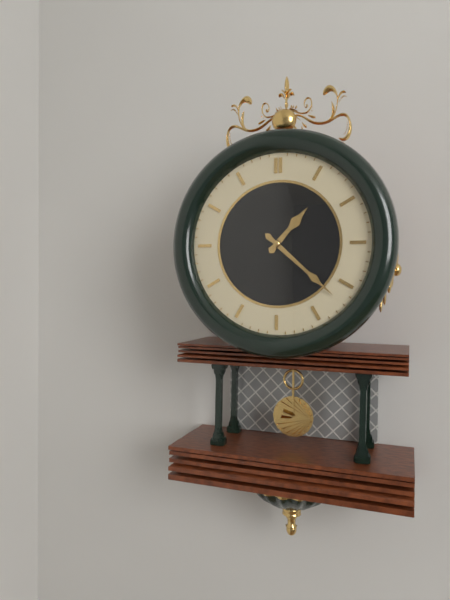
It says 1:22
